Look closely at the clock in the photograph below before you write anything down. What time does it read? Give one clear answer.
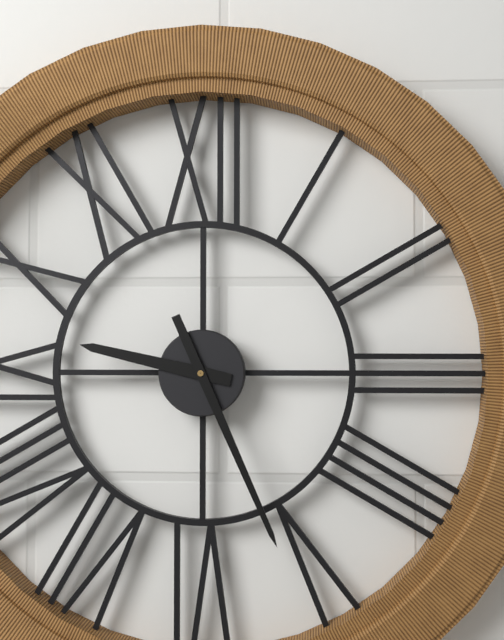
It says 9:26
